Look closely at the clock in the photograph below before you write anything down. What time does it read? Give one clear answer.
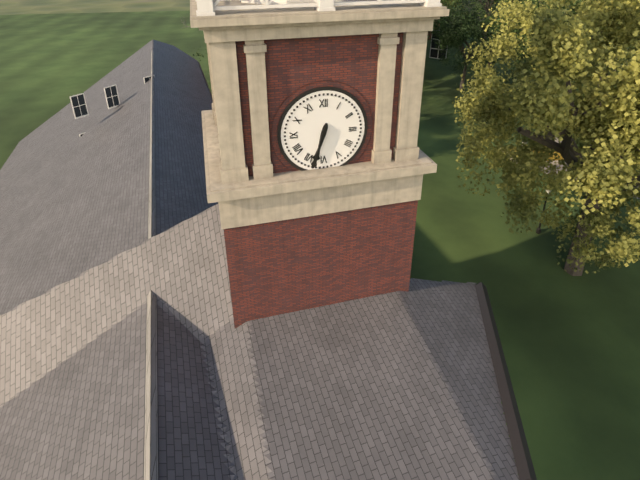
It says 6:33
